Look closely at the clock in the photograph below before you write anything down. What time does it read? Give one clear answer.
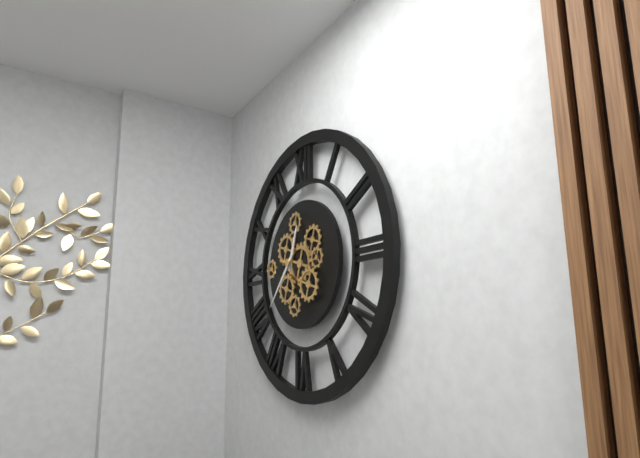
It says 12:37
